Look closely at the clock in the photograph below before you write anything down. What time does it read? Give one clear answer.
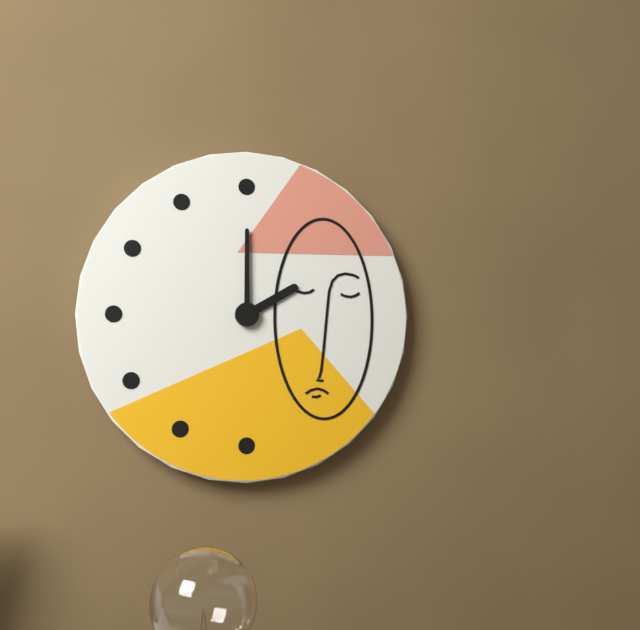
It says 2:00
